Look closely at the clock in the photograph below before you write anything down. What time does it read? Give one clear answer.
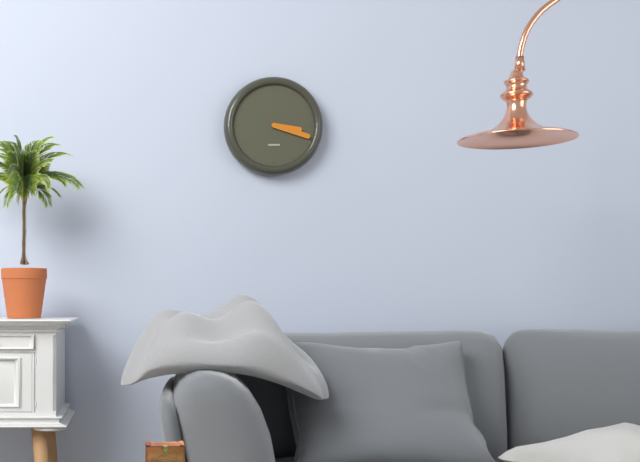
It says 3:18
